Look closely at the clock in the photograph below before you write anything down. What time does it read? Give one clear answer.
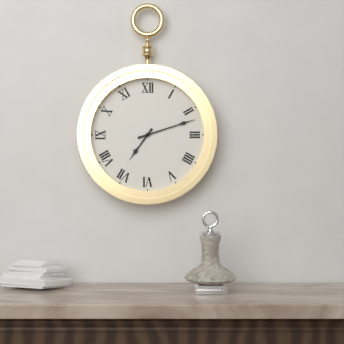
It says 7:12
